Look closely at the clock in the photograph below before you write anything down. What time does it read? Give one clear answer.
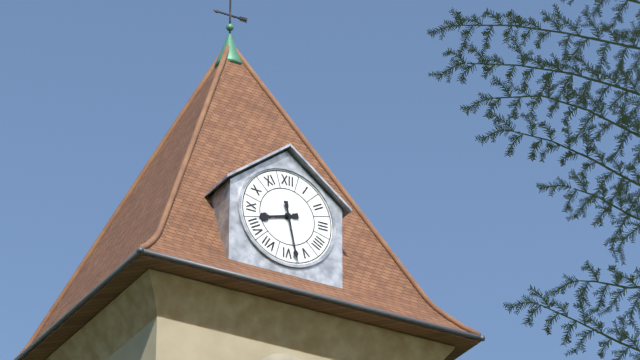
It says 8:28
